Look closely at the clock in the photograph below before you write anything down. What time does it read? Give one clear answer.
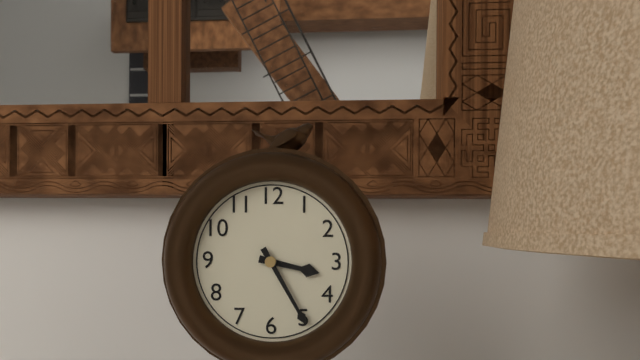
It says 3:25
